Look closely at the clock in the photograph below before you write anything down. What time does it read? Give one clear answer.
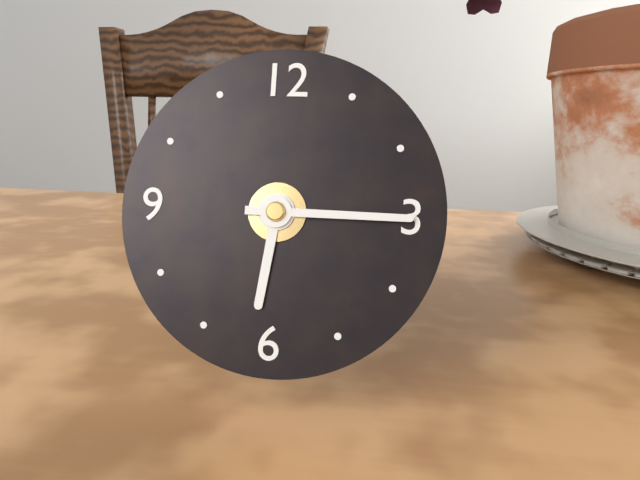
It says 6:15
